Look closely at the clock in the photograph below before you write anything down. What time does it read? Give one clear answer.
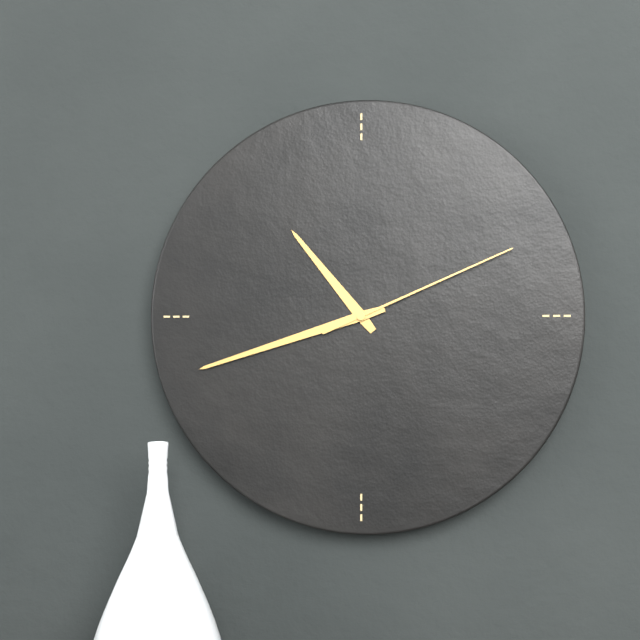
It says 10:42:11
